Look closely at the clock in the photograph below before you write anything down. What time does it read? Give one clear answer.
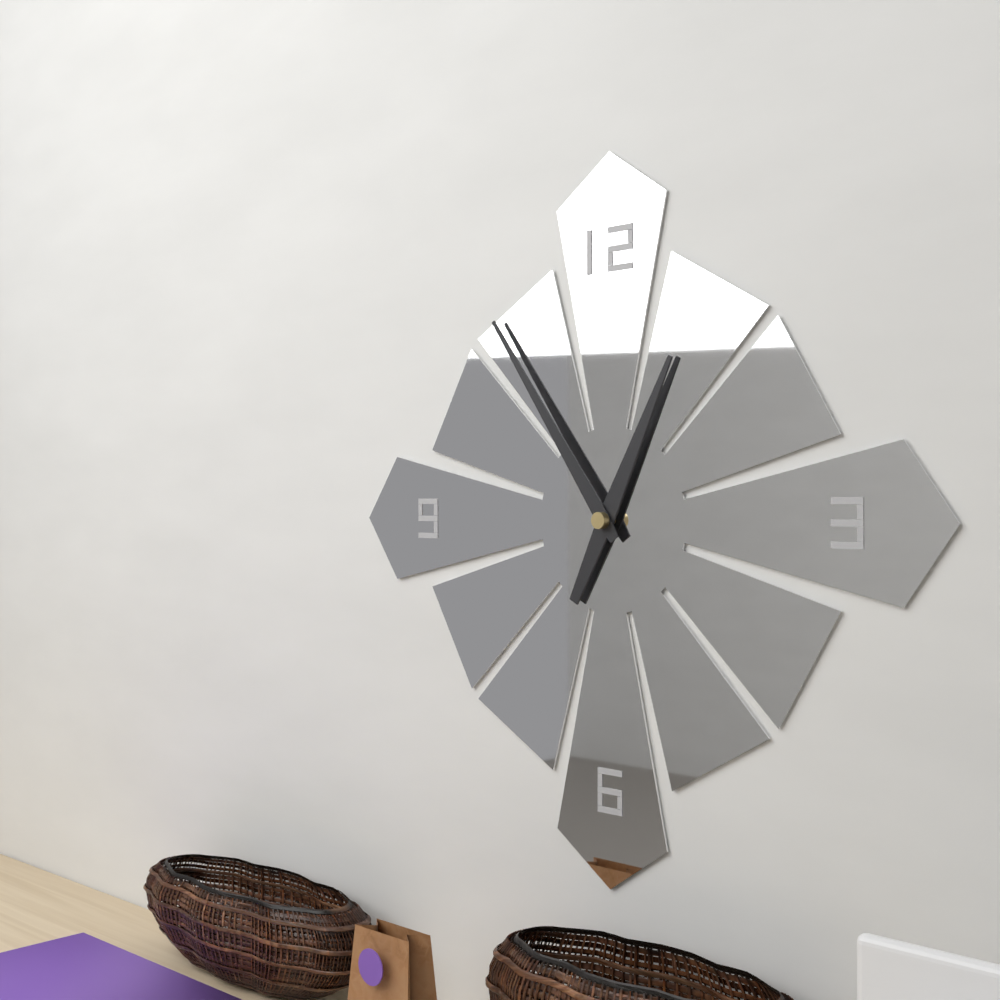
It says 12:54
